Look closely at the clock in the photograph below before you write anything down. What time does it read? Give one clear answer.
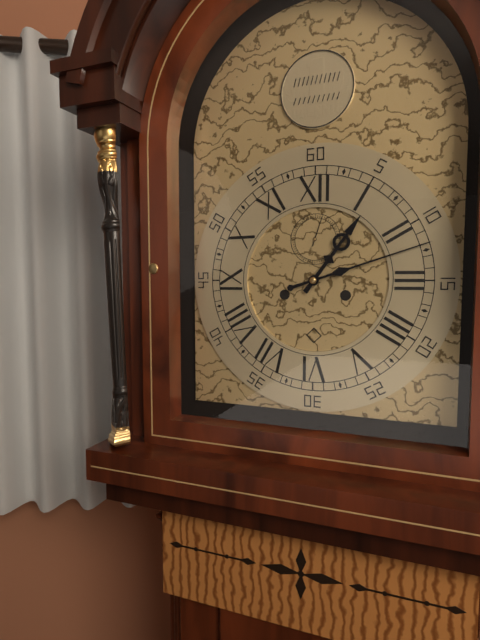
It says 1:12
